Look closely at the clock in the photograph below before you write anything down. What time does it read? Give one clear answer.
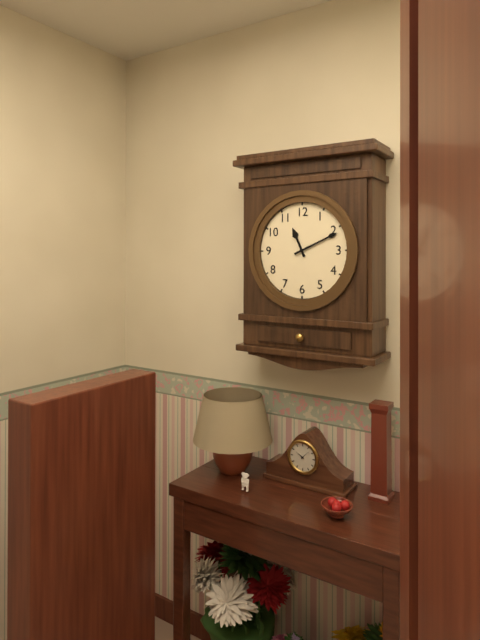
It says 11:11
